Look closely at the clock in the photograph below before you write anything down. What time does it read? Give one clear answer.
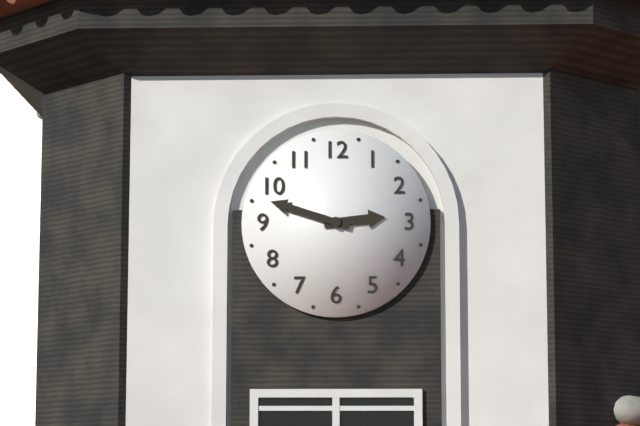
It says 2:48
